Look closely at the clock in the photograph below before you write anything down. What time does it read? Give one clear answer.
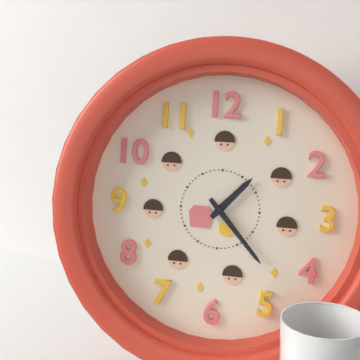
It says 1:23
